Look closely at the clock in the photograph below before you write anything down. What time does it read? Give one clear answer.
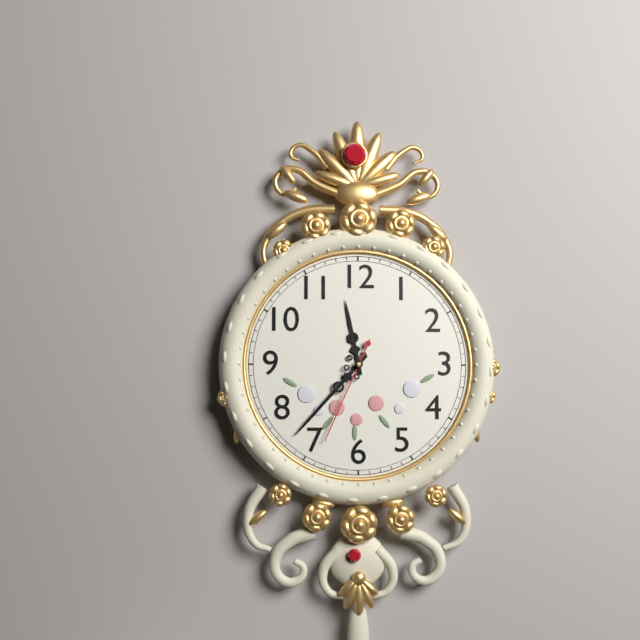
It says 11:37:34
